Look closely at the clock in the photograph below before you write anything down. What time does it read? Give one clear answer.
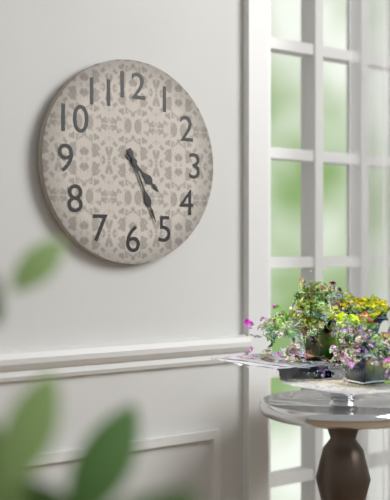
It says 4:26
